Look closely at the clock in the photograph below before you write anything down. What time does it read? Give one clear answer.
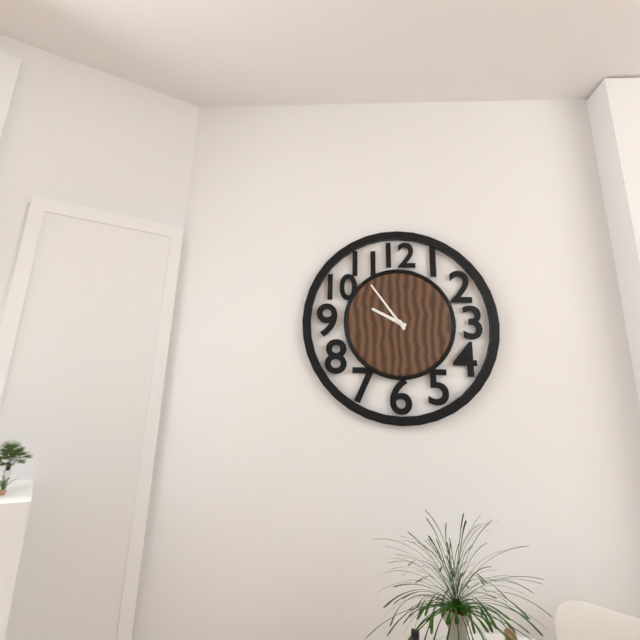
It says 9:54
